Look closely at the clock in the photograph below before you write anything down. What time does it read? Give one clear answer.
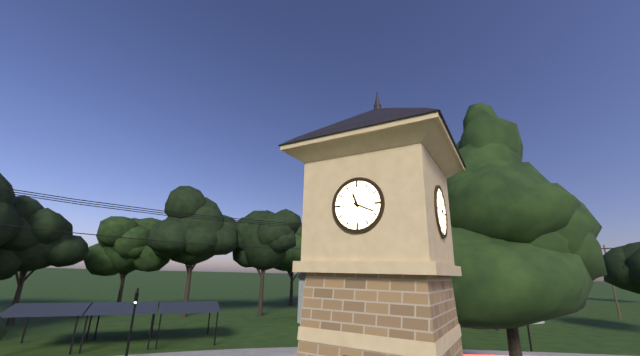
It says 11:19
